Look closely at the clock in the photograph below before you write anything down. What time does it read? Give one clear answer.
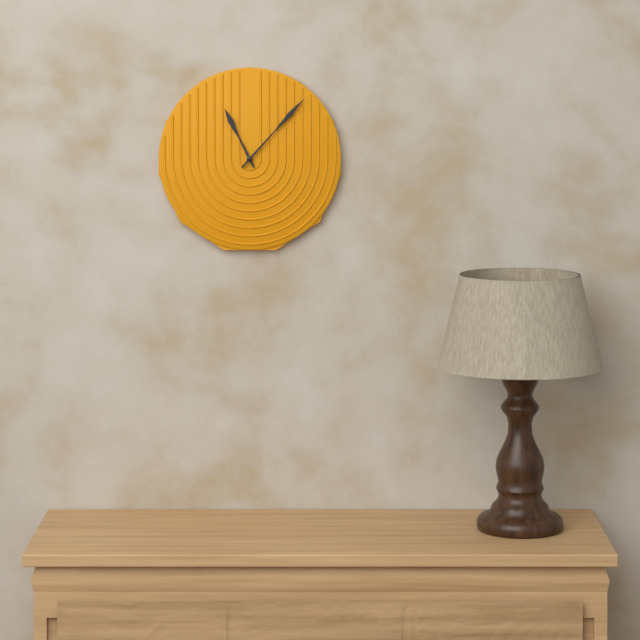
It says 11:07
